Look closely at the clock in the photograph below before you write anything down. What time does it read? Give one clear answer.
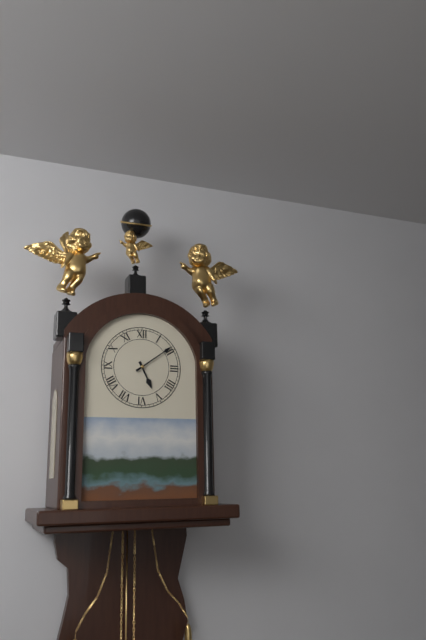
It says 5:09
